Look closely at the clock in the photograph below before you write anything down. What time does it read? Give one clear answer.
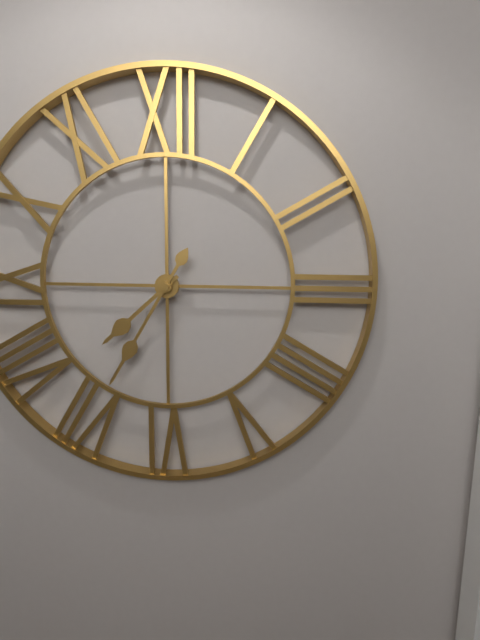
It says 7:35
